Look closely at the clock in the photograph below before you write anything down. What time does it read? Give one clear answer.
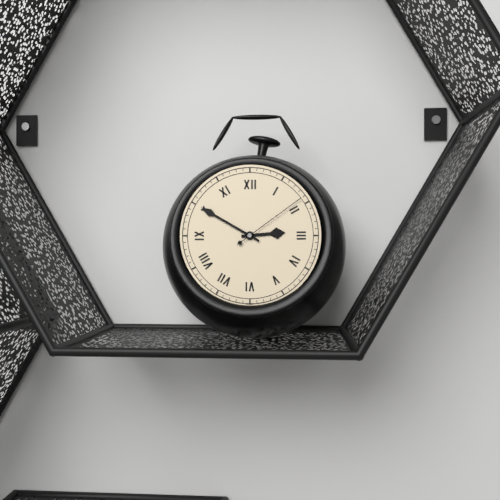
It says 2:50:09
